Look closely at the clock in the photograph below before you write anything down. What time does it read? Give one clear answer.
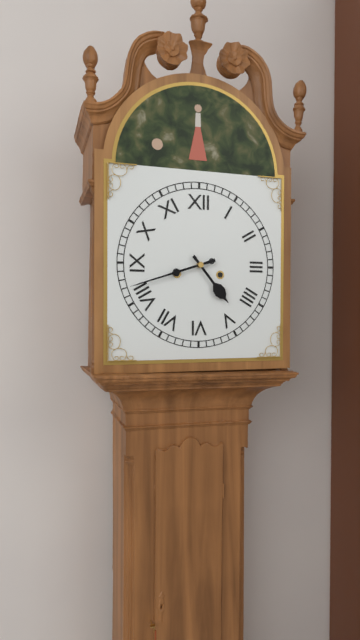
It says 4:42
